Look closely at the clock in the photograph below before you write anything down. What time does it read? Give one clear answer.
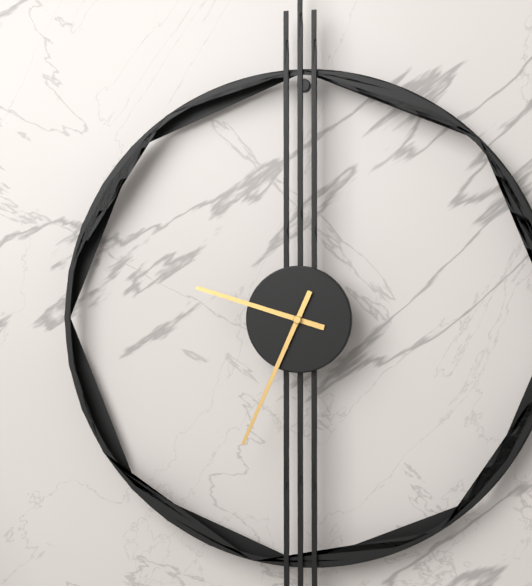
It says 9:34
